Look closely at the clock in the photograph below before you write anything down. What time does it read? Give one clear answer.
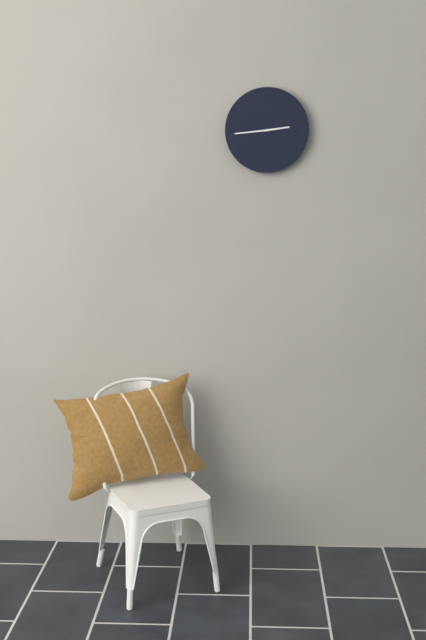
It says 2:44
